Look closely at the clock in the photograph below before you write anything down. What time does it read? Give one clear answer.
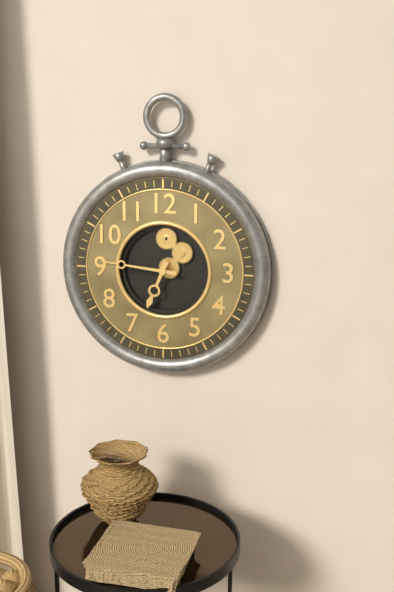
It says 6:46
